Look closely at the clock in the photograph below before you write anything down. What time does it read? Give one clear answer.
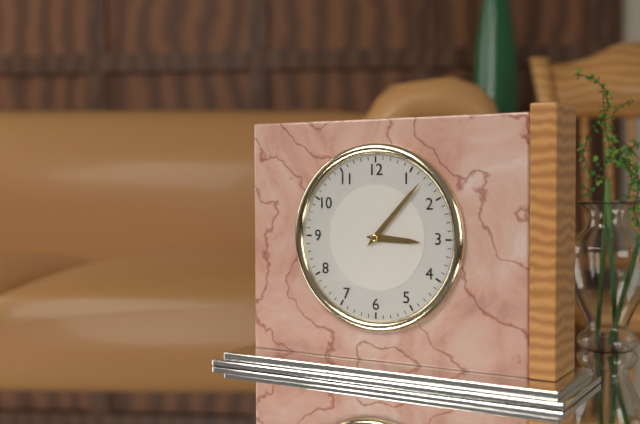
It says 3:07
